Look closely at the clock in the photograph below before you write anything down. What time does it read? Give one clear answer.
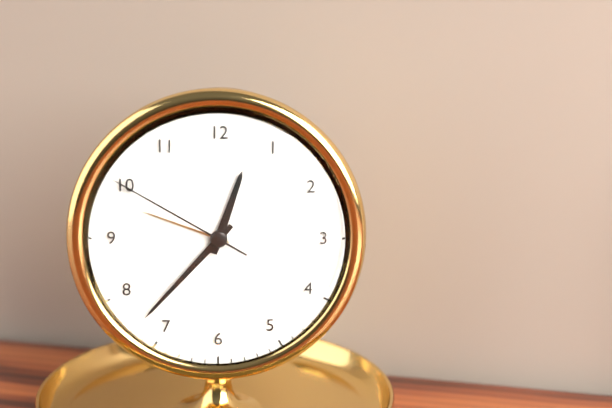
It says 12:37:50
